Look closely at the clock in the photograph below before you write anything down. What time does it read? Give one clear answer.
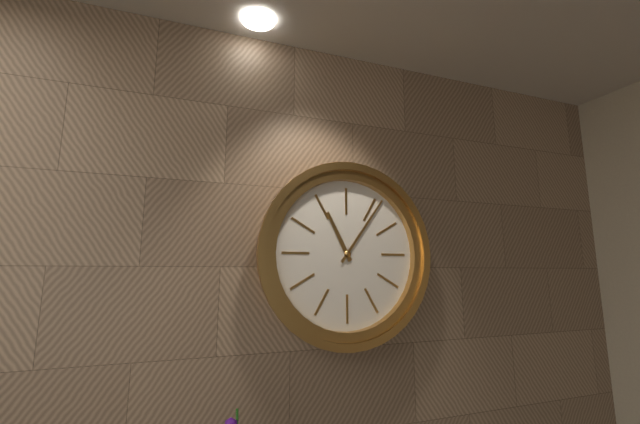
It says 11:06
